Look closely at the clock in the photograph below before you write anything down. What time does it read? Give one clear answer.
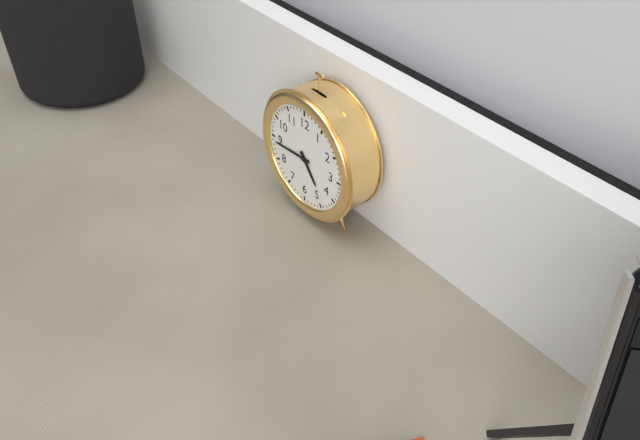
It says 4:44
